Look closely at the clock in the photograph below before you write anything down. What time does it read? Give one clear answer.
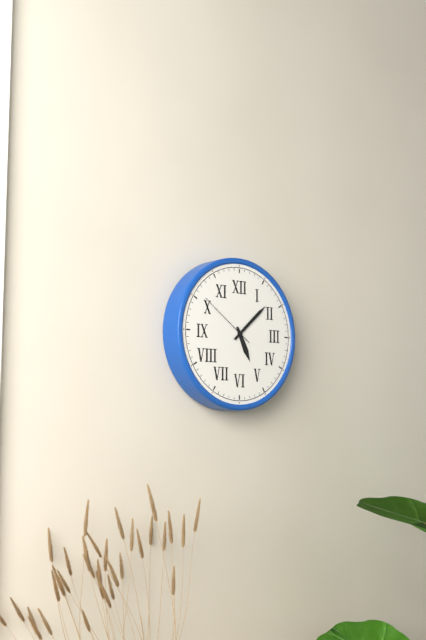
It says 5:08:51
